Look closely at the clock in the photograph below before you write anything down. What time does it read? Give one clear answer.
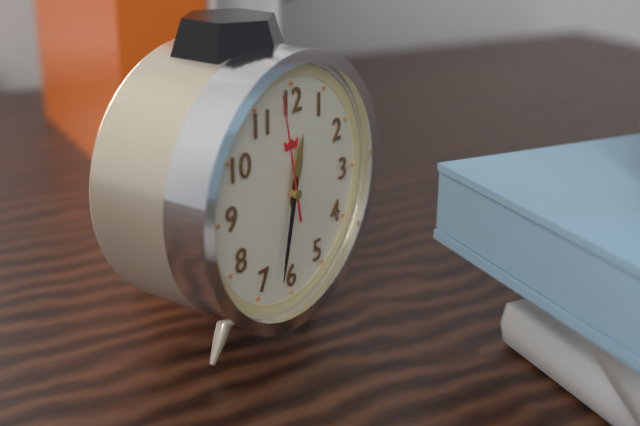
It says 12:32:58
